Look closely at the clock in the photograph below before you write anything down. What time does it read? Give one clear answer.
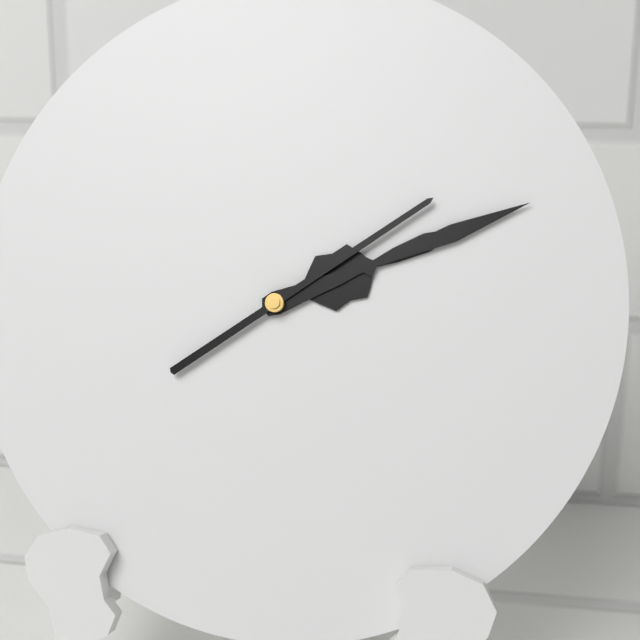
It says 2:11:09
